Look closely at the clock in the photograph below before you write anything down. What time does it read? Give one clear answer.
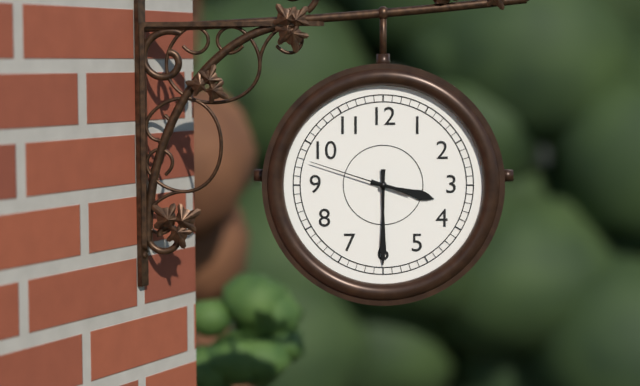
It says 3:30:48
